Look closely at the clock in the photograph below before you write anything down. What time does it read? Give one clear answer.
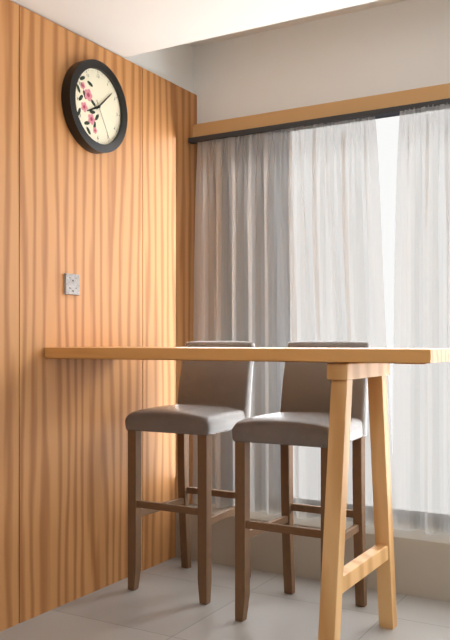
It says 8:08
